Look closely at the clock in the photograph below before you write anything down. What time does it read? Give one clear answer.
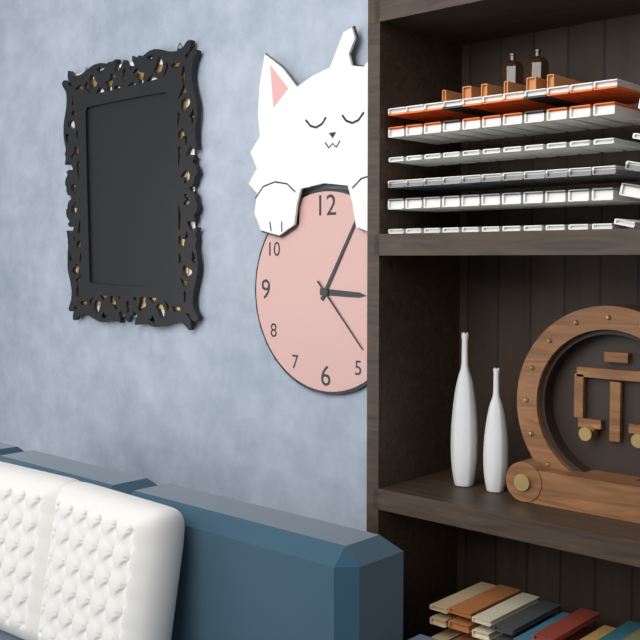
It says 3:05:23
